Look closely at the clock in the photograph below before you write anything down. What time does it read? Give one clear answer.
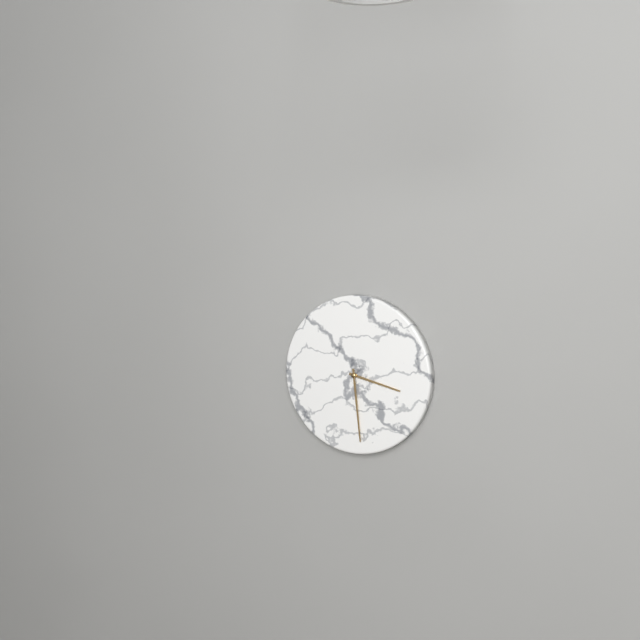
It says 3:29
